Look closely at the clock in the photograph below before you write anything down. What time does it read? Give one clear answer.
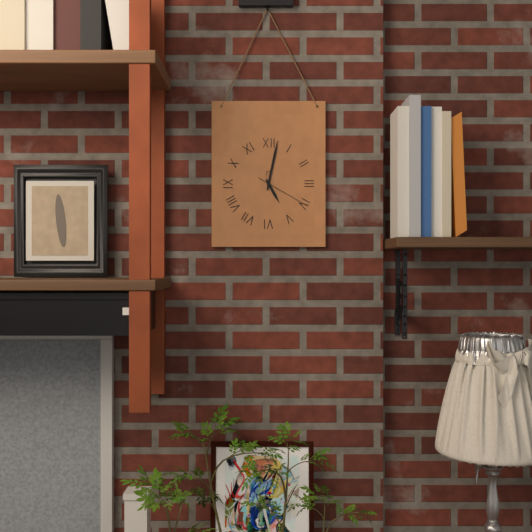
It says 5:02:20
